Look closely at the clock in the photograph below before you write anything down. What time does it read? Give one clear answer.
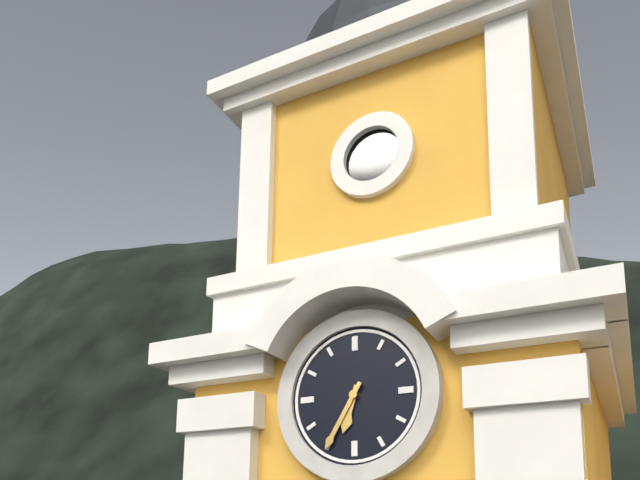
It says 6:35
